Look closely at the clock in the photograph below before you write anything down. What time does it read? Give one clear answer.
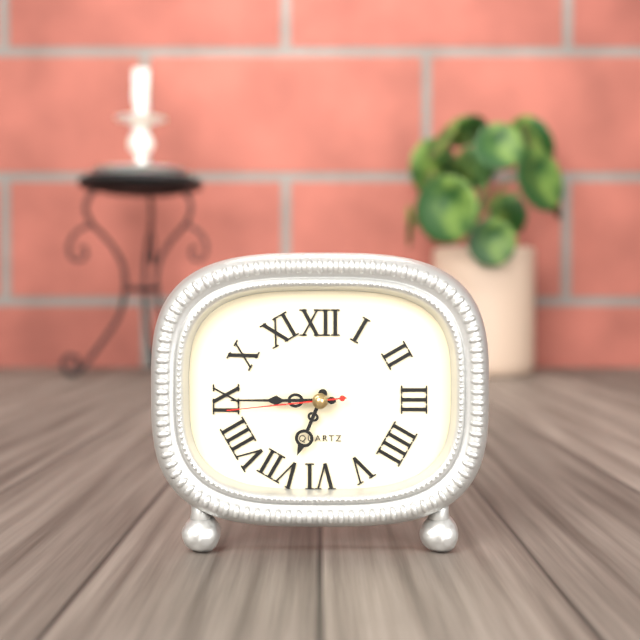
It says 6:45:44
